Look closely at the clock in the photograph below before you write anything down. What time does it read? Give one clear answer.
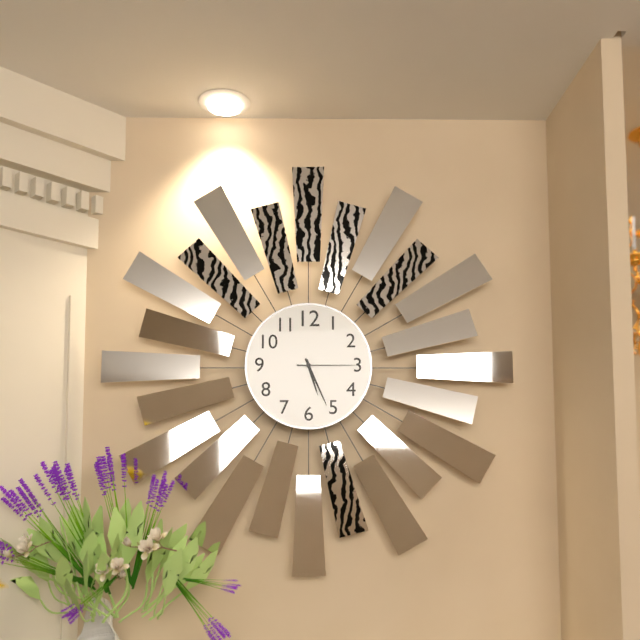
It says 5:26:15
